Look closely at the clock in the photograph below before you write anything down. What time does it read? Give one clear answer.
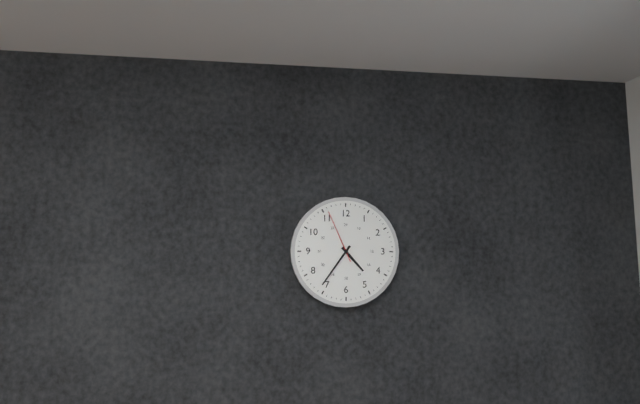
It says 4:36:56
